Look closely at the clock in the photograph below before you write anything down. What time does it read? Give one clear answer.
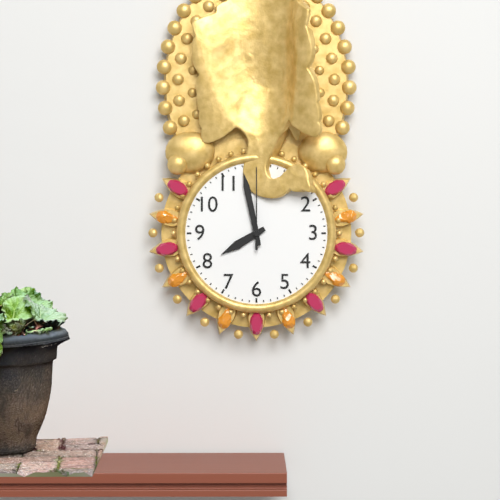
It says 7:58:00
